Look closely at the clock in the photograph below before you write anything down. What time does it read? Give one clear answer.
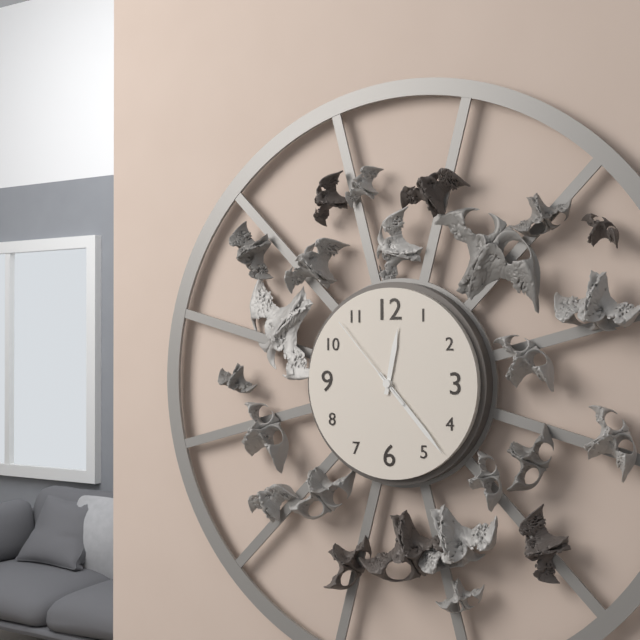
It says 12:23:53
